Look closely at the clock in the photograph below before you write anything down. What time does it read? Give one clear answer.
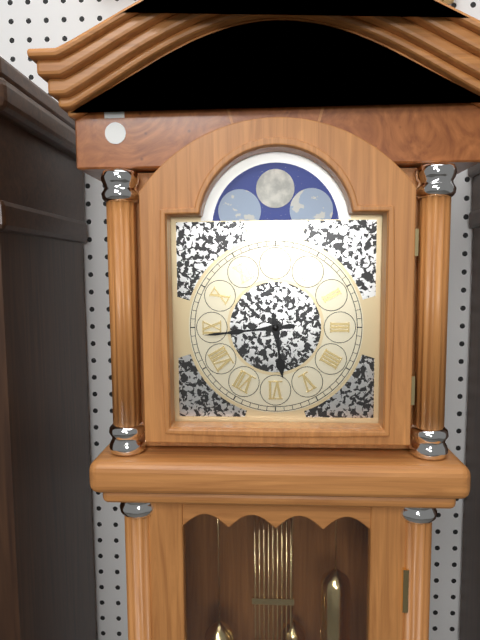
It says 5:44
